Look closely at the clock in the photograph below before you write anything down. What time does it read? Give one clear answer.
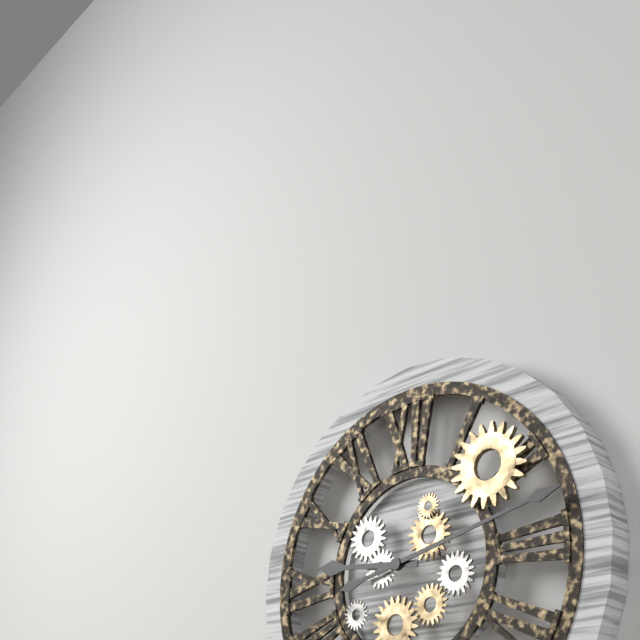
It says 9:13
